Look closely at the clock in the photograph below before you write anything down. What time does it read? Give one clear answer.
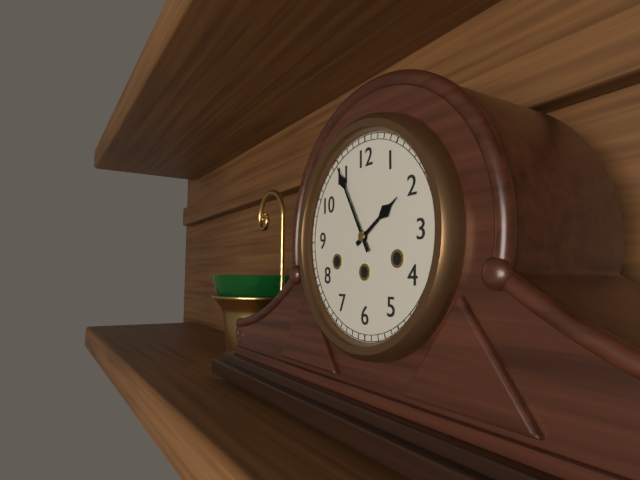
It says 1:55
